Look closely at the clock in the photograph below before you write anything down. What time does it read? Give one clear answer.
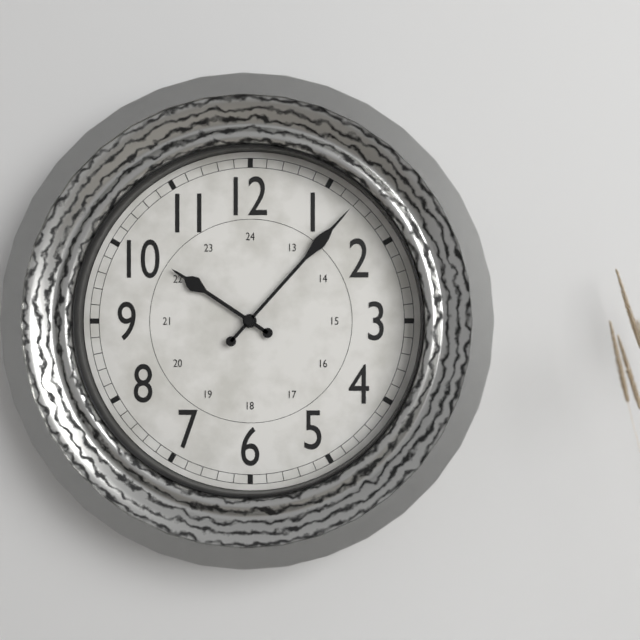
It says 10:07
